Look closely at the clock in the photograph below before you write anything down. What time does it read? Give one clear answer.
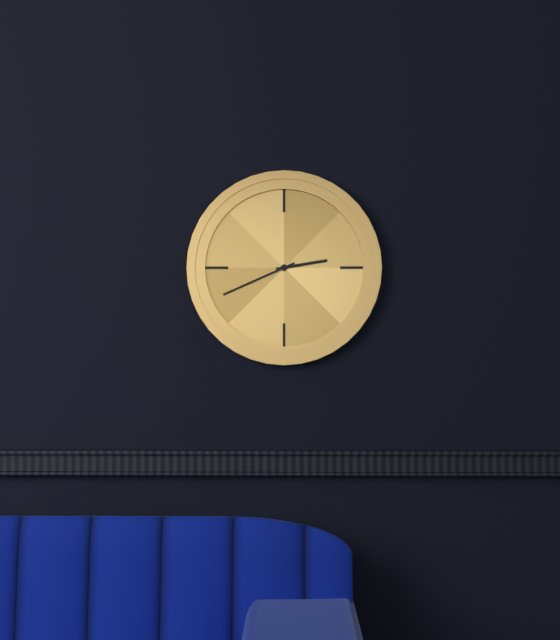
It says 2:41
